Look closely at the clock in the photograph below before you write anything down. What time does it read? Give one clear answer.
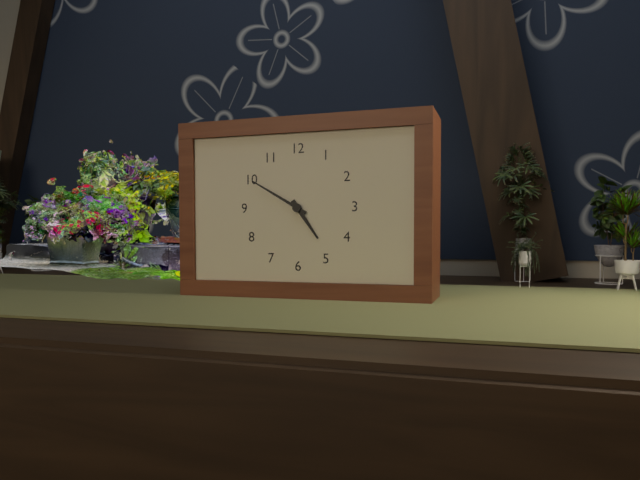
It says 4:50
